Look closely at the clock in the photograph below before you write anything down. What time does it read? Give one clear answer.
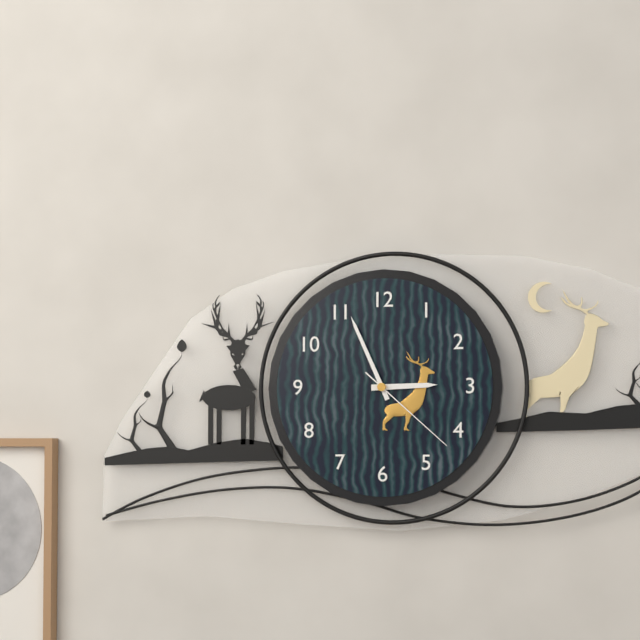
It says 2:56:22
